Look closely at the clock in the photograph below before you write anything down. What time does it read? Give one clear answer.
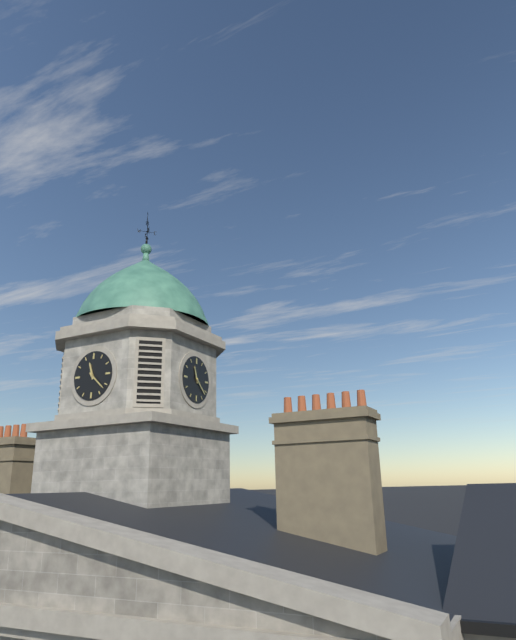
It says 11:22
